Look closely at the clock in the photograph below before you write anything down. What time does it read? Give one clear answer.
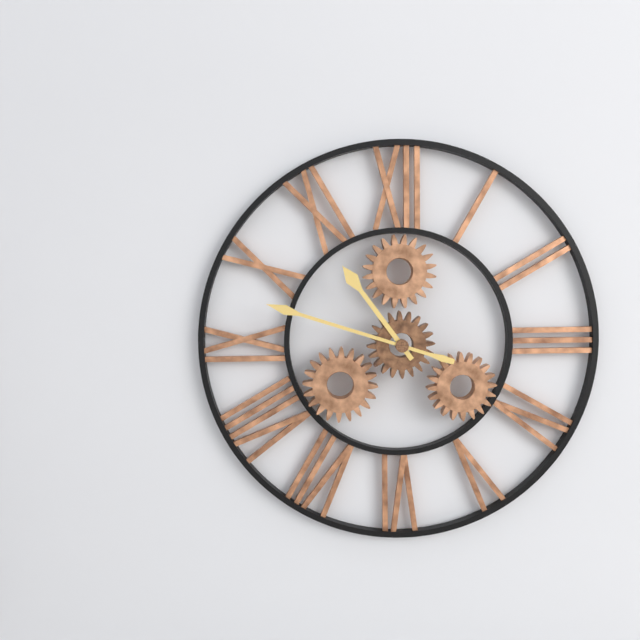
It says 10:48
